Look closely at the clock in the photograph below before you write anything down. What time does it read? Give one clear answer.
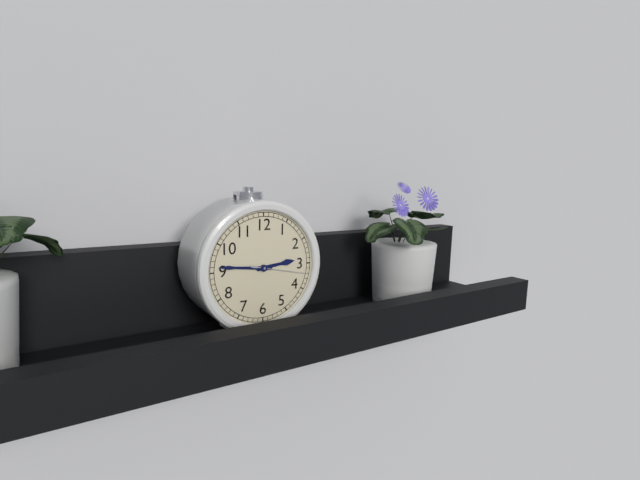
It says 2:46:17
